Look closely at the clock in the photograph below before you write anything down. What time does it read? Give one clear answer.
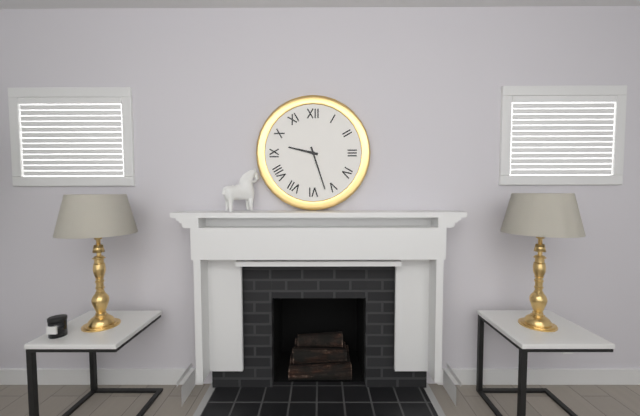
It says 9:27
